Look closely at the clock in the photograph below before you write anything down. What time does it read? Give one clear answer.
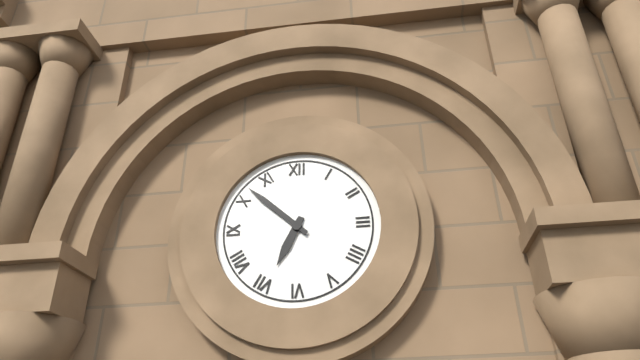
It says 6:52
